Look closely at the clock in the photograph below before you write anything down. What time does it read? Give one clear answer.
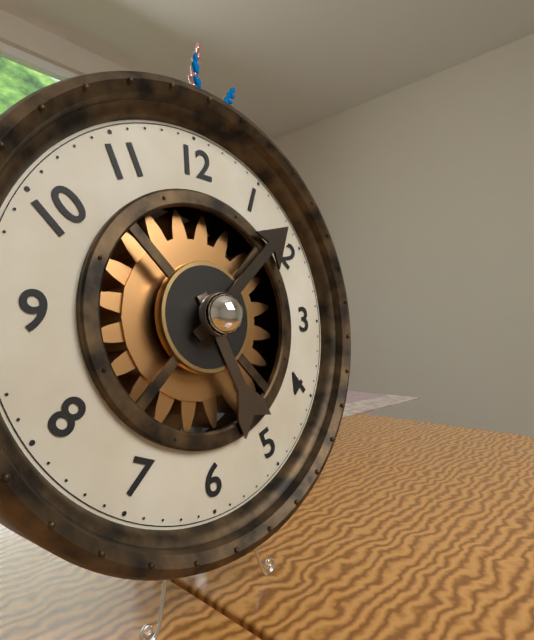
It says 5:08
